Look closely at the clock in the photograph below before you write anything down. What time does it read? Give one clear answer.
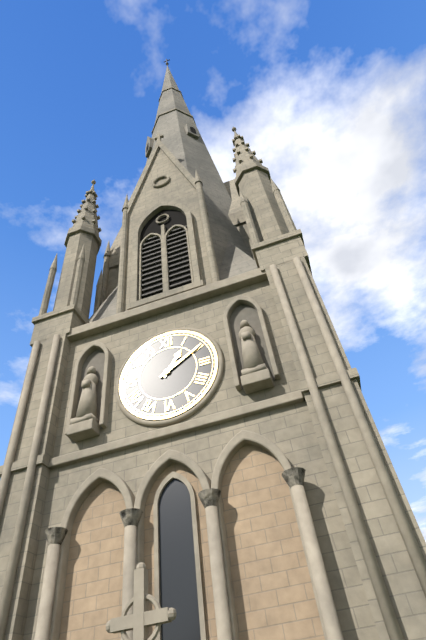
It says 1:10
